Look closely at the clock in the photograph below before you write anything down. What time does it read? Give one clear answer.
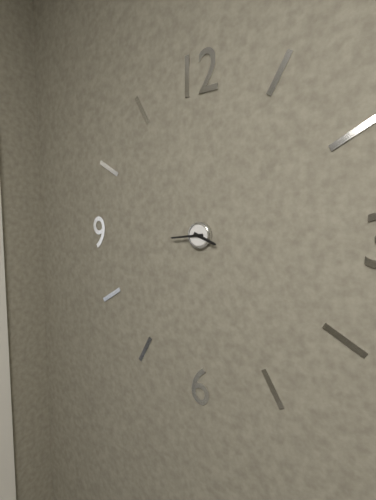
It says 3:44
